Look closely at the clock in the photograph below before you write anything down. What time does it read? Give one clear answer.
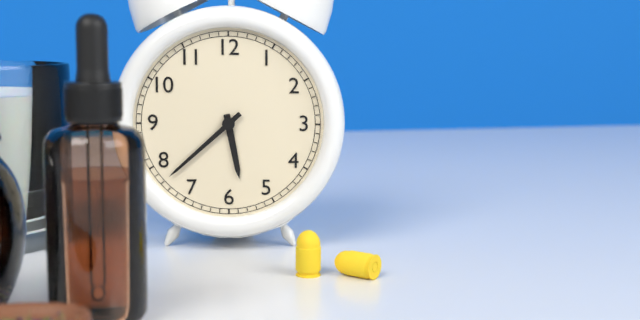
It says 5:38
